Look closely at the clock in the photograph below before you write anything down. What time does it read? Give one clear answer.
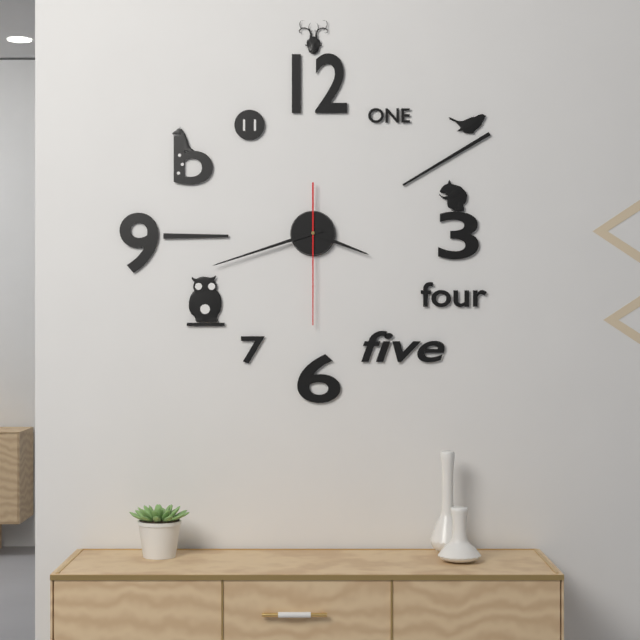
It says 3:42:30
